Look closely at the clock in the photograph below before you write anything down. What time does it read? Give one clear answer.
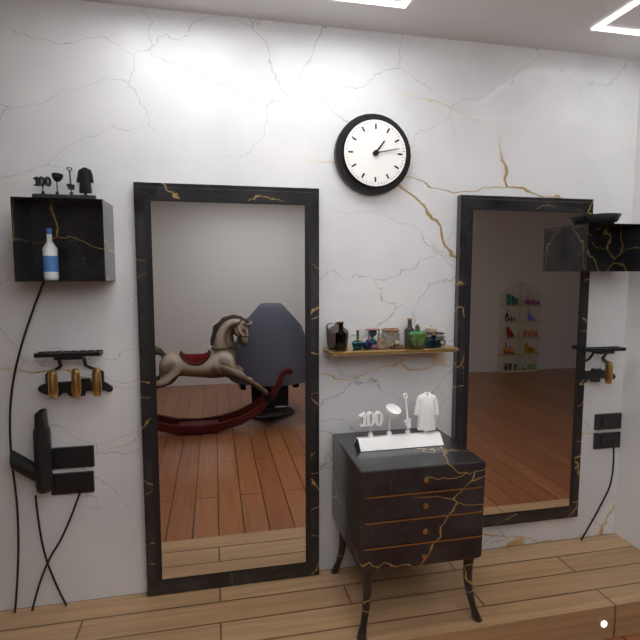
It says 1:13
